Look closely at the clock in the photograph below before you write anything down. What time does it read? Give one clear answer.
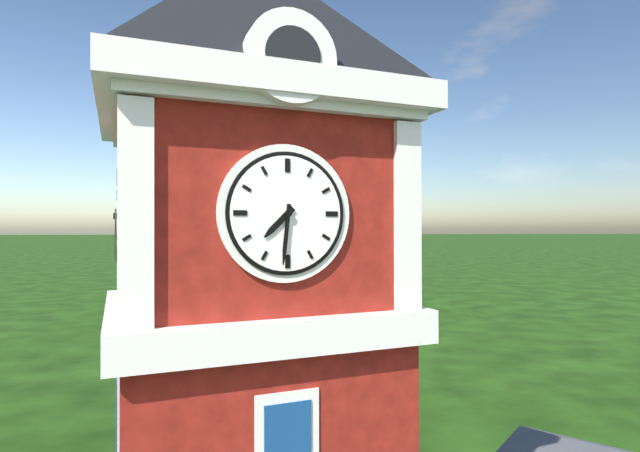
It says 7:31
